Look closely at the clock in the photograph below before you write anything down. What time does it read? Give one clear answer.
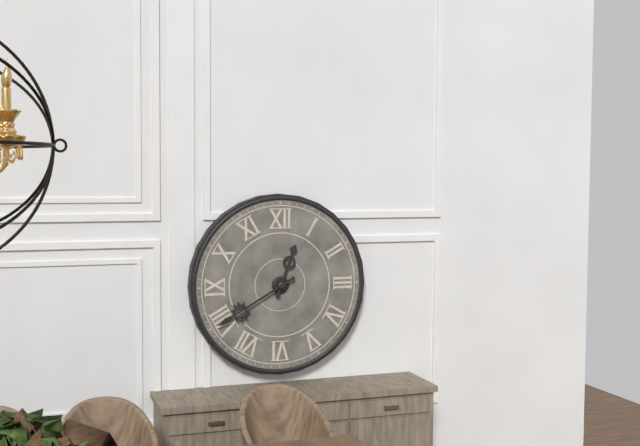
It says 12:40
